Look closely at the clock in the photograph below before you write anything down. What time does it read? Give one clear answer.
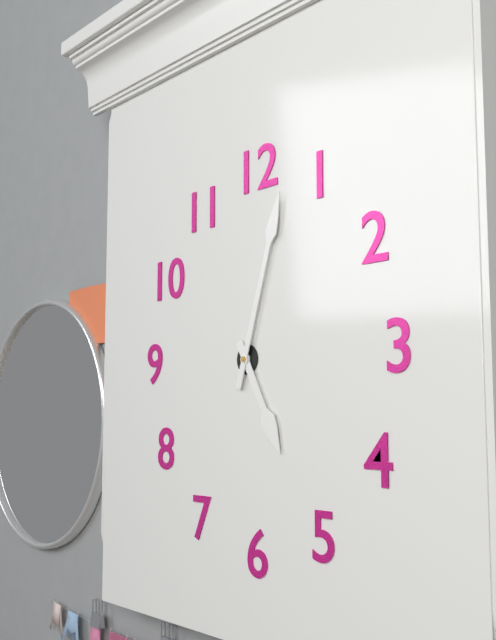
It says 5:03
